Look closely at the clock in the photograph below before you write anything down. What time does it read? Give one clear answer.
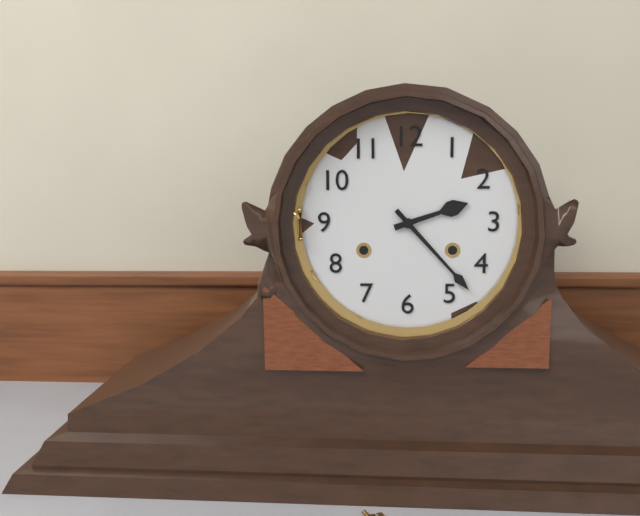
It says 2:23
